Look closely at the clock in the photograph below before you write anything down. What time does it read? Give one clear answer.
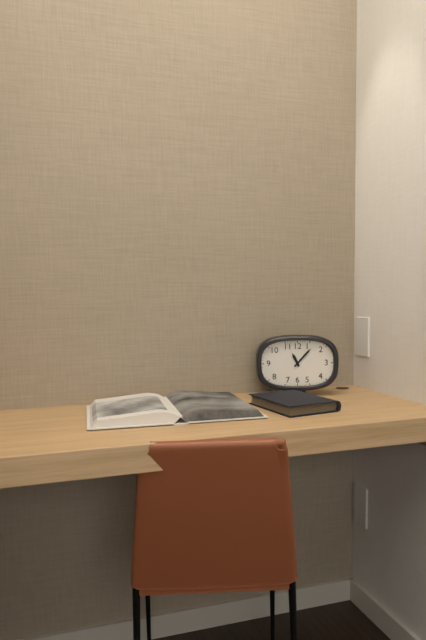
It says 11:07
